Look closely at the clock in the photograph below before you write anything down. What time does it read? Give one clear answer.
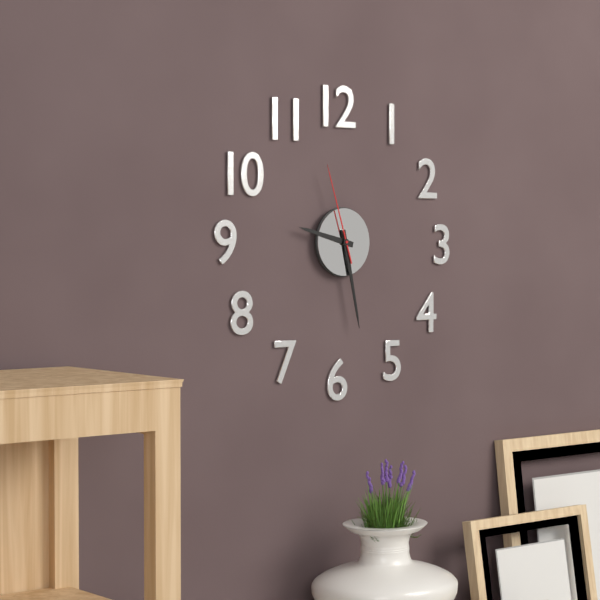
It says 9:28:57
